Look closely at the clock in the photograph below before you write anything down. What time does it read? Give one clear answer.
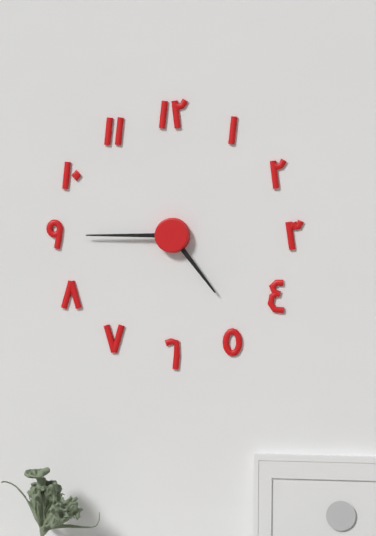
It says 4:45
